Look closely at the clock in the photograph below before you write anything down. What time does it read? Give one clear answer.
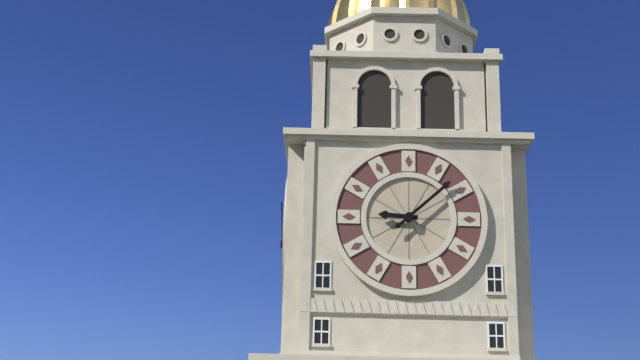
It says 9:08
